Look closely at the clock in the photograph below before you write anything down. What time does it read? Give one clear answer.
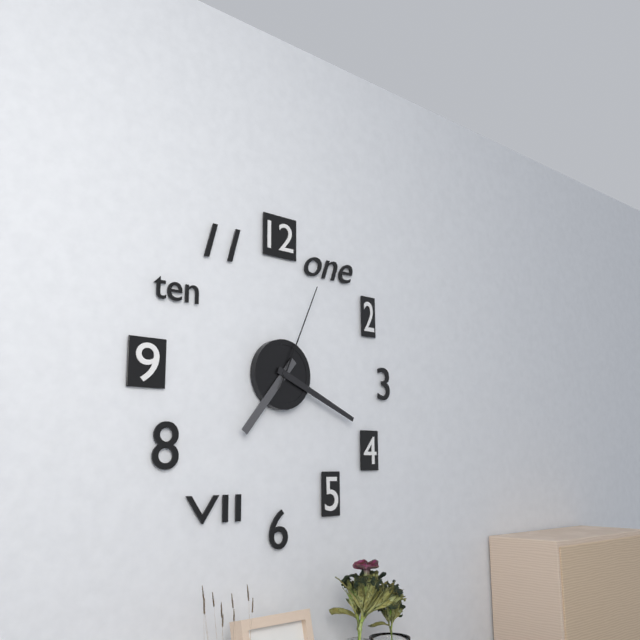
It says 7:19:04
